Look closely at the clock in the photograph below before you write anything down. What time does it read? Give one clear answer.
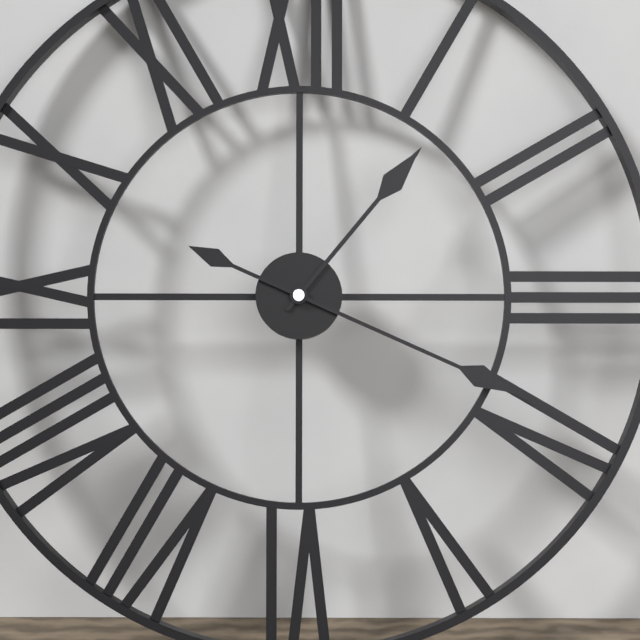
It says 1:19
